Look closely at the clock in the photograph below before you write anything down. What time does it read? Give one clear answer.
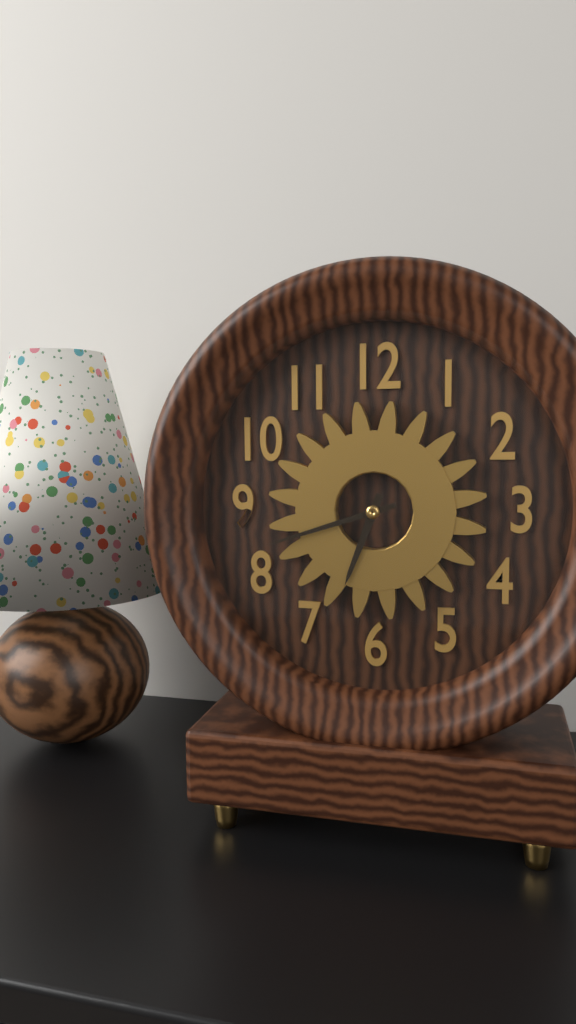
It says 6:42
